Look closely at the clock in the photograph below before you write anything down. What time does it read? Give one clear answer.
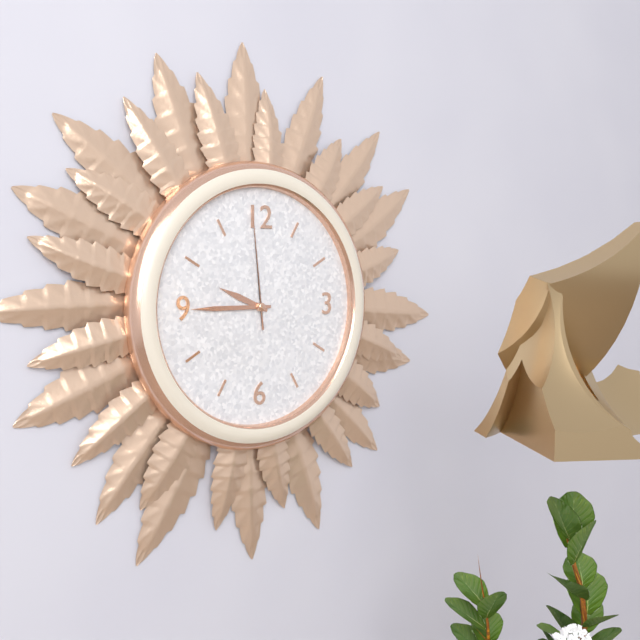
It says 9:45:59
